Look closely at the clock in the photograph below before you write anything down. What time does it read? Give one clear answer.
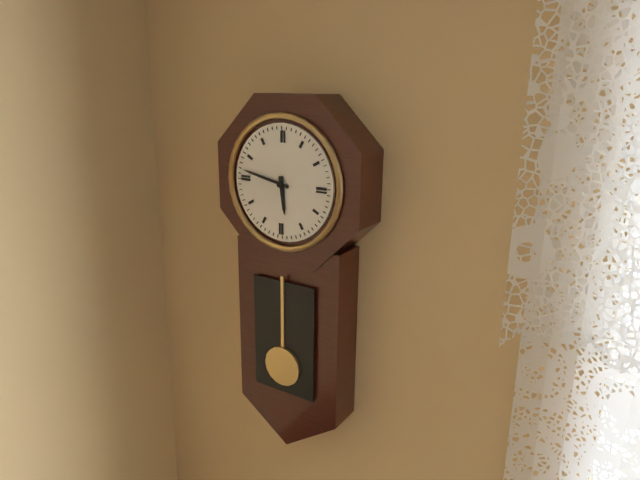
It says 5:47
